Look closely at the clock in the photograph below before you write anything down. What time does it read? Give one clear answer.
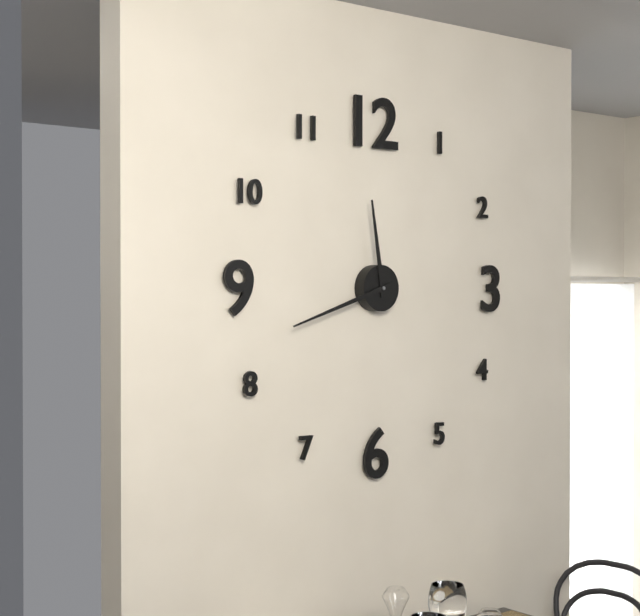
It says 11:42
